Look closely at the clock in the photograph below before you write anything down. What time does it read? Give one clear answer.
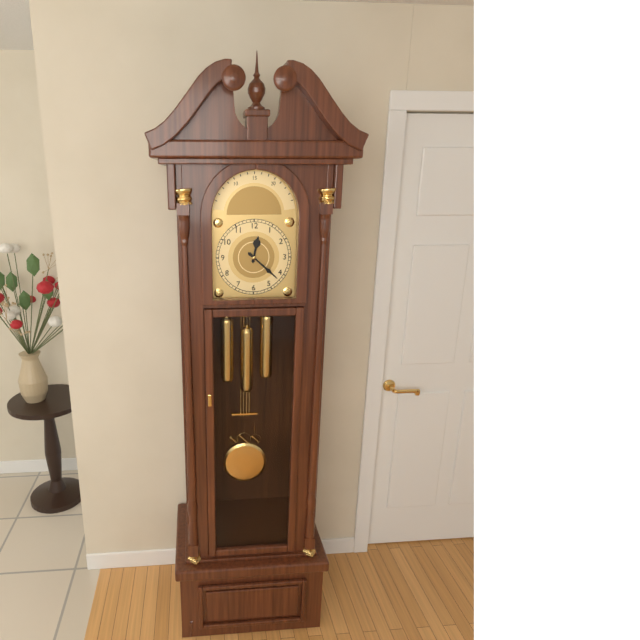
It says 12:22
